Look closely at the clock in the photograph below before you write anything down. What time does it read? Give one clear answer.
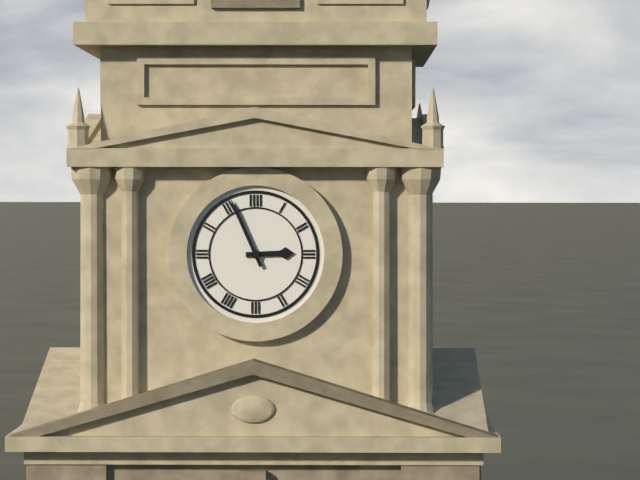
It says 2:56
